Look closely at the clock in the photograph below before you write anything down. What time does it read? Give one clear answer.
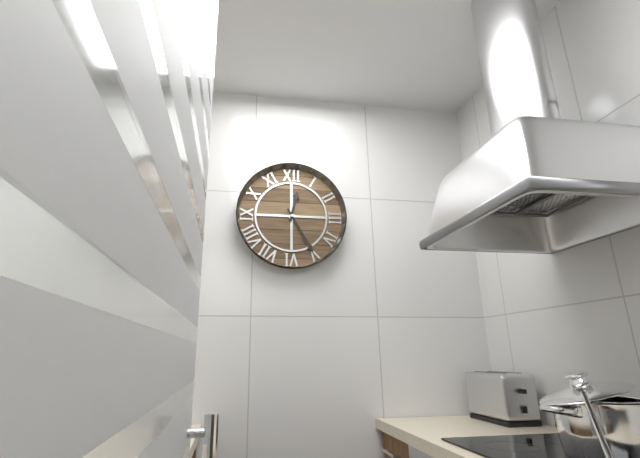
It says 12:25
